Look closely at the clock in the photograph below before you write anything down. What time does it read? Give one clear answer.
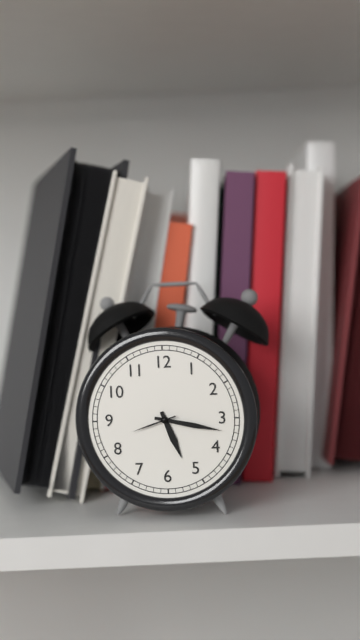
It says 5:17
